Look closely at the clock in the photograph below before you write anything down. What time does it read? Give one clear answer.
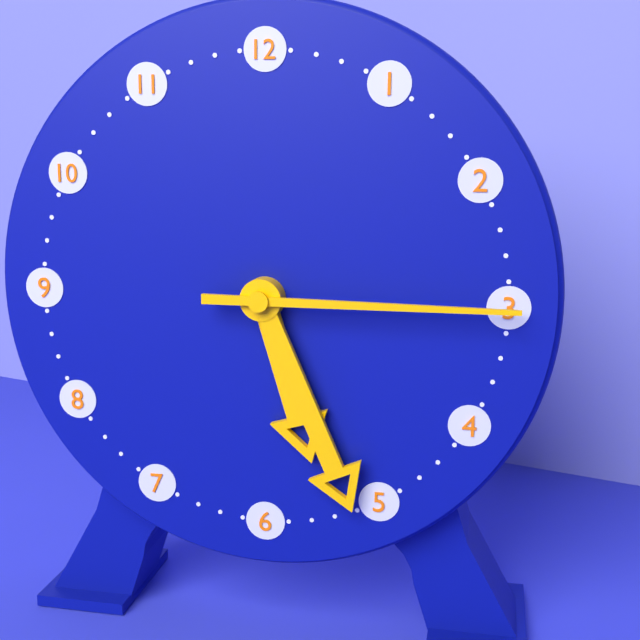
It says 5:26:15
